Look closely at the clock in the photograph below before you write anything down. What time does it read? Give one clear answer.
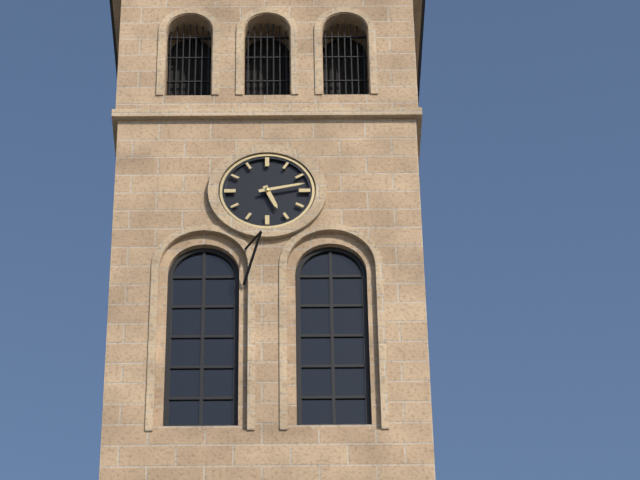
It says 5:13
